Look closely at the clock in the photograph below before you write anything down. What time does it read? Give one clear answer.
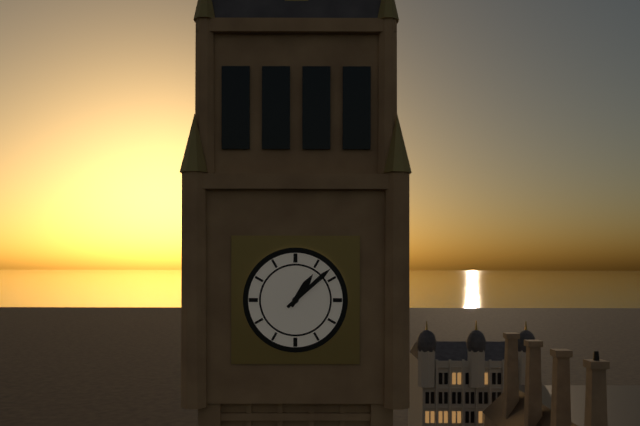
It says 1:08
